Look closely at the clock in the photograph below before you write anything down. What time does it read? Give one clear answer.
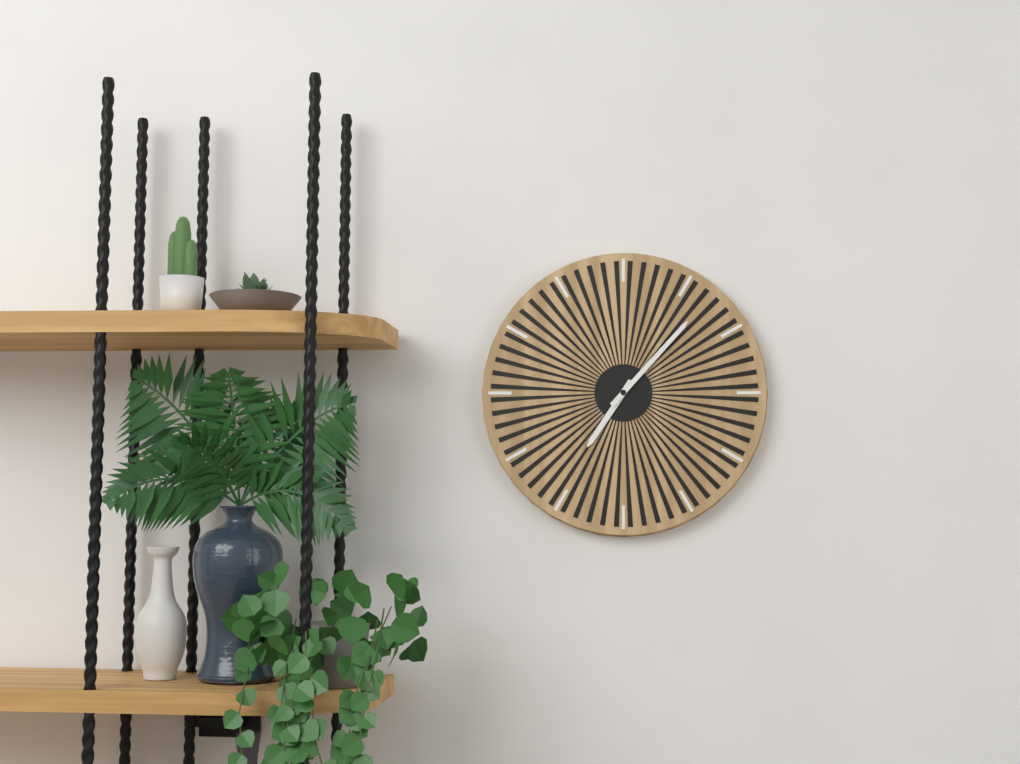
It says 7:07
